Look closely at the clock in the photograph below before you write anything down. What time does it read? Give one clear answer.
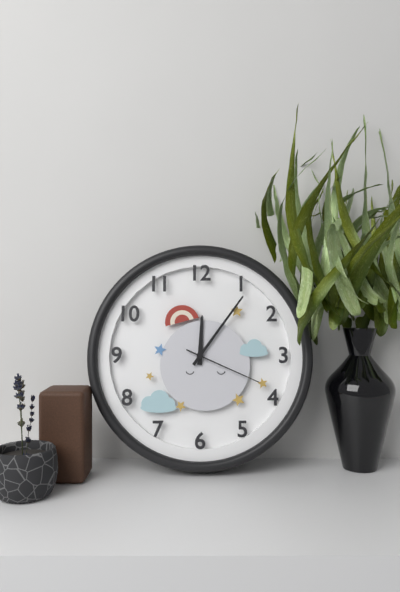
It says 12:06:19
